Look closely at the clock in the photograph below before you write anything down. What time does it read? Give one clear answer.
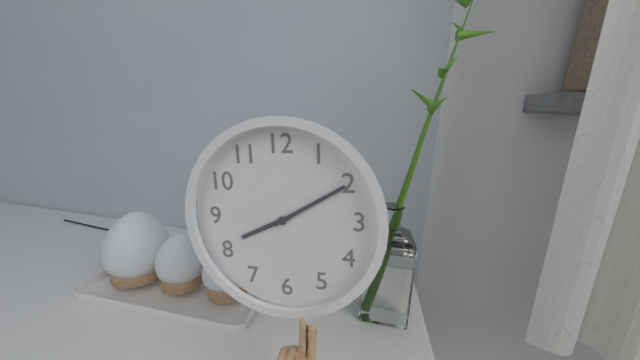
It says 8:10
